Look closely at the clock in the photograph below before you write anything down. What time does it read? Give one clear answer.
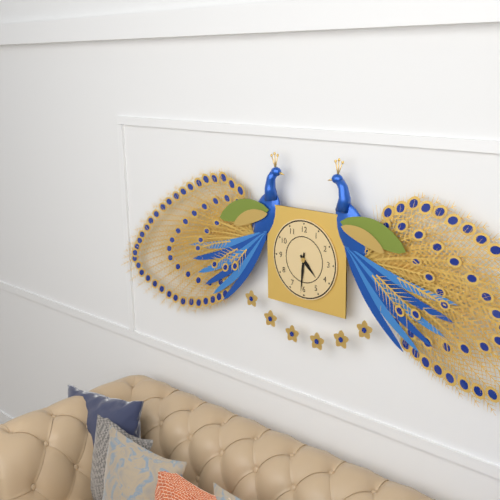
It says 4:31
